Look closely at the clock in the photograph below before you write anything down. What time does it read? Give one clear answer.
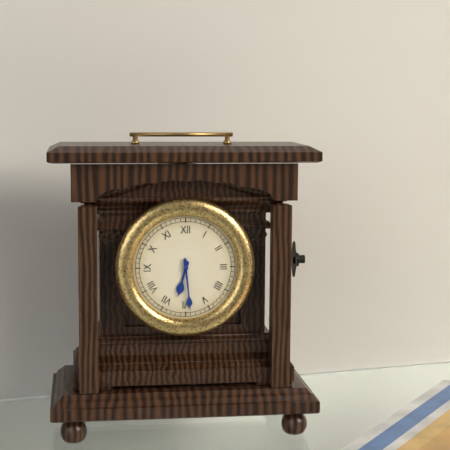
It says 6:29
